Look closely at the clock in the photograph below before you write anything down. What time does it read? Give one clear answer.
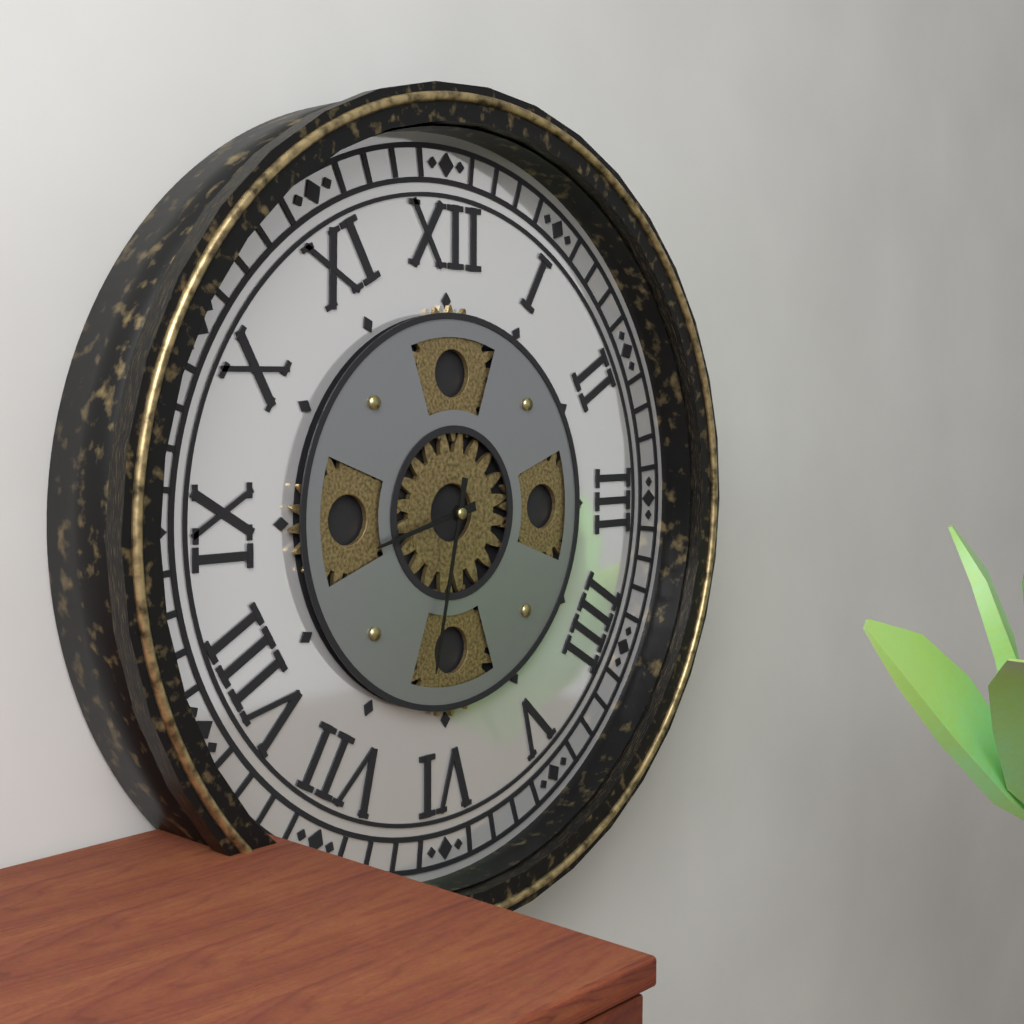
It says 8:32
